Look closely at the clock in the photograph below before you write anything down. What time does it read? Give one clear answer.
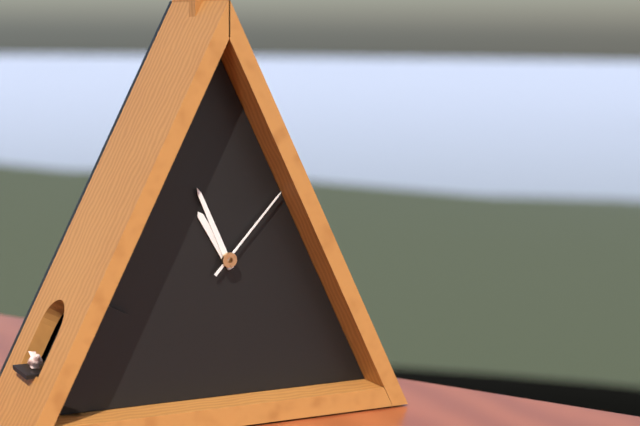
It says 10:56:07
